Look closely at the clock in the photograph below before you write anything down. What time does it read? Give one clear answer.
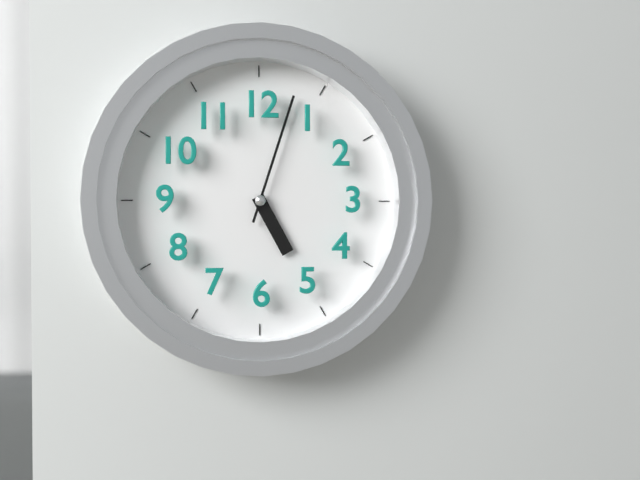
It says 5:03
